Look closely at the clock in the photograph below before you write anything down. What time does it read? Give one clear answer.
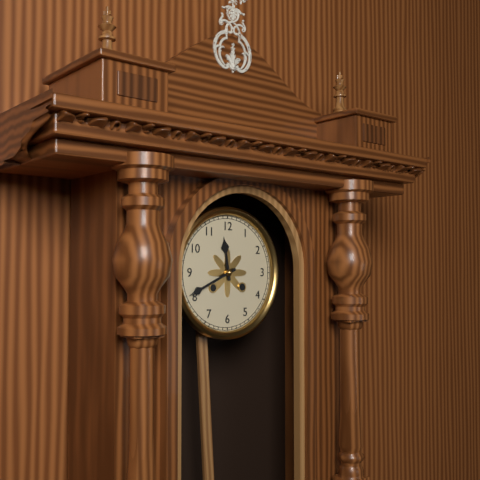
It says 11:41
